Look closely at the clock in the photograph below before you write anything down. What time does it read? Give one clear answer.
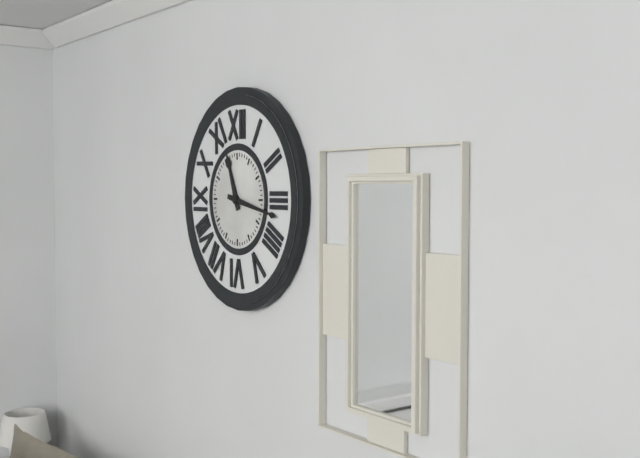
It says 11:17
